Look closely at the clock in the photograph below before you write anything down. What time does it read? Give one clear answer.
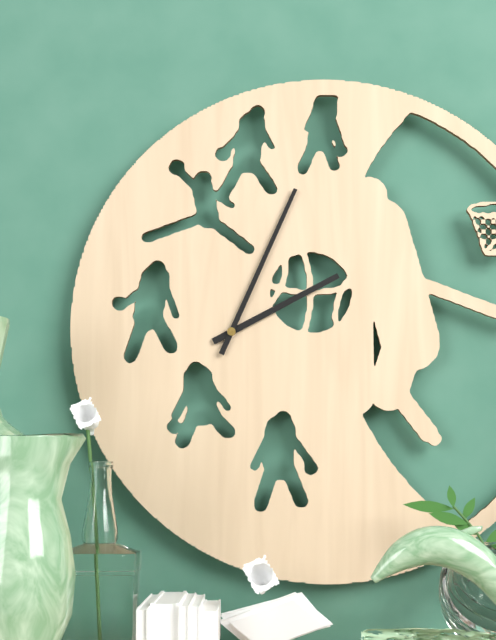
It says 2:04
